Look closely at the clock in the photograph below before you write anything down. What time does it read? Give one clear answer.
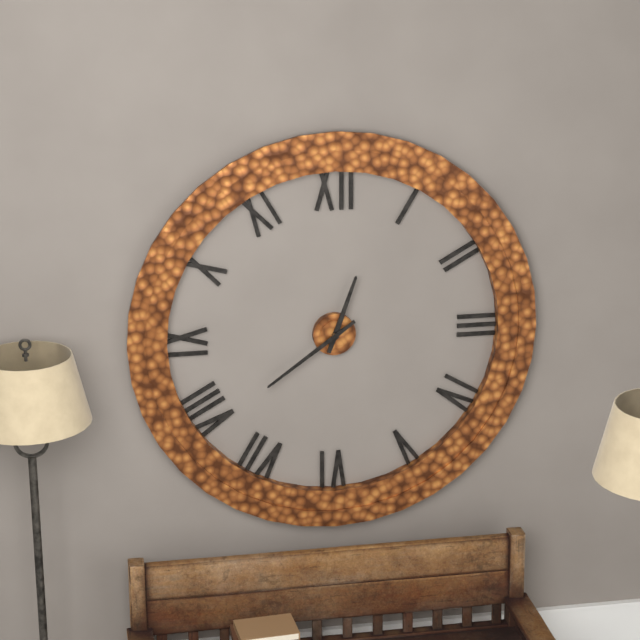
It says 12:39
